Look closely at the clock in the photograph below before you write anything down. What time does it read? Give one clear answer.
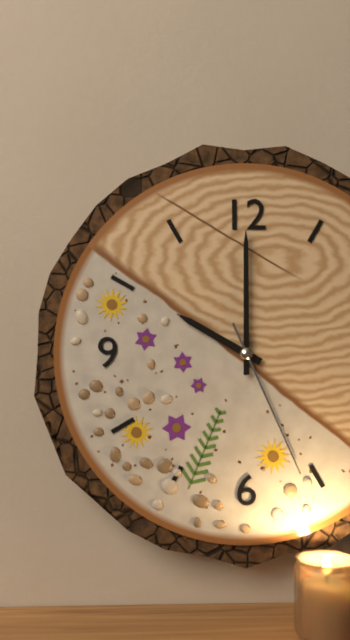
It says 10:00:26
